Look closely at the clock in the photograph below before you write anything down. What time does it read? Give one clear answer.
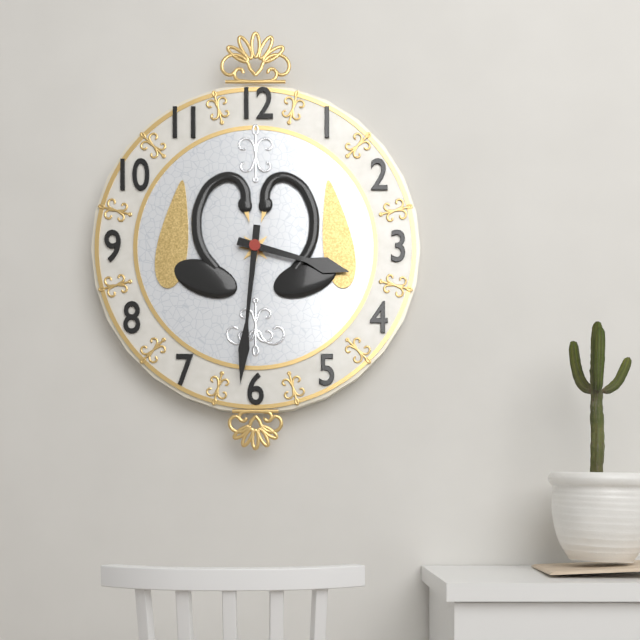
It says 3:31
